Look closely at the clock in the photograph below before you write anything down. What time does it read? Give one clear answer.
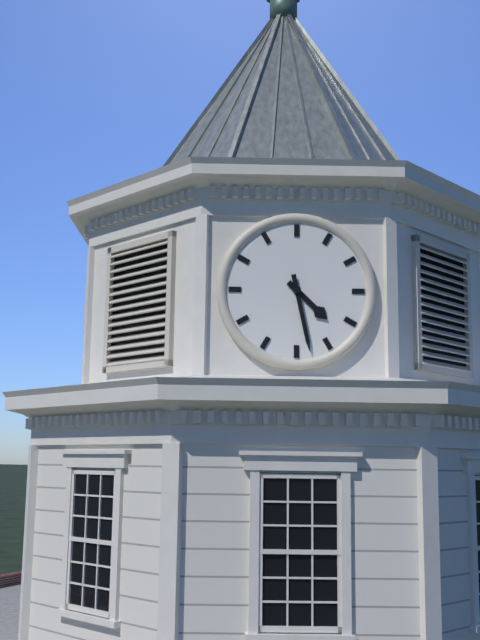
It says 4:28
